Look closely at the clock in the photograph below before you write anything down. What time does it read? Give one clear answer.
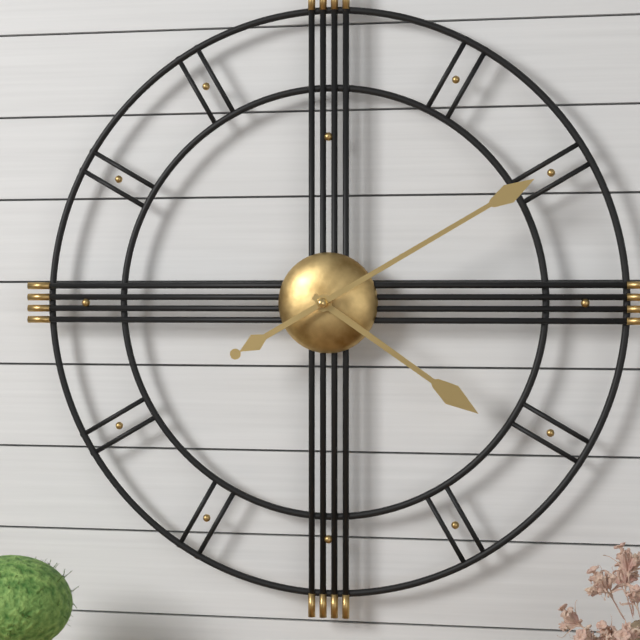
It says 4:10
